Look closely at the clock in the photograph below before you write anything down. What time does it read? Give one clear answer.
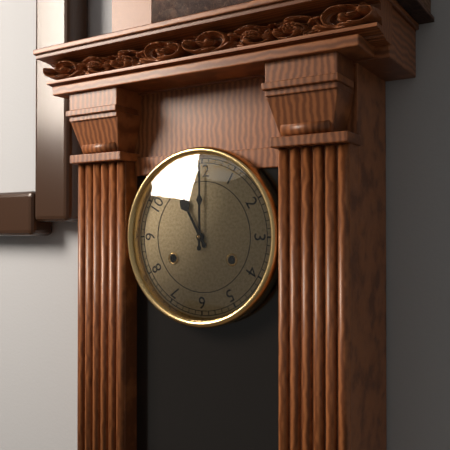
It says 11:00
